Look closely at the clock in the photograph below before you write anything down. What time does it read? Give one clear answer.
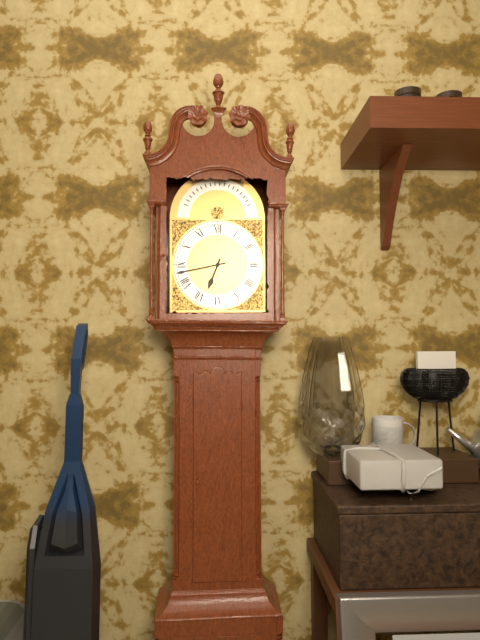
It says 6:43
